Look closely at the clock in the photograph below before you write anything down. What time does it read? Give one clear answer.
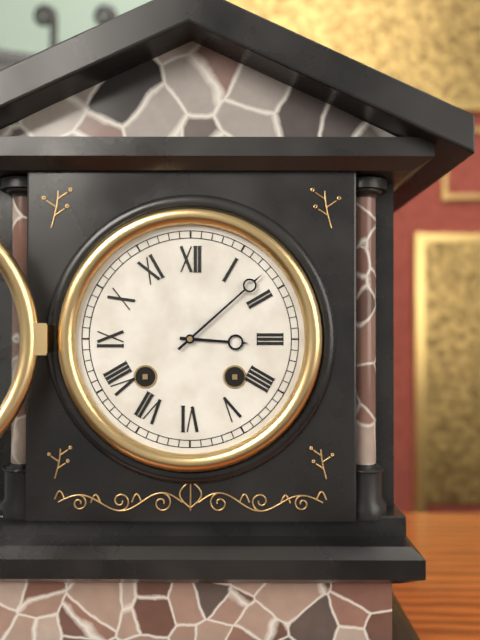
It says 3:08
